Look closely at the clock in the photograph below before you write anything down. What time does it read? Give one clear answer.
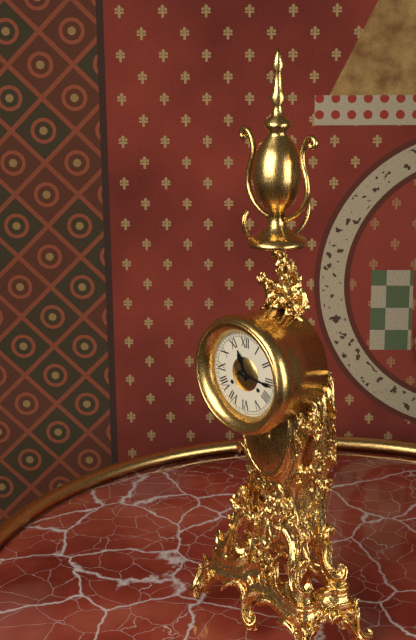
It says 11:16
